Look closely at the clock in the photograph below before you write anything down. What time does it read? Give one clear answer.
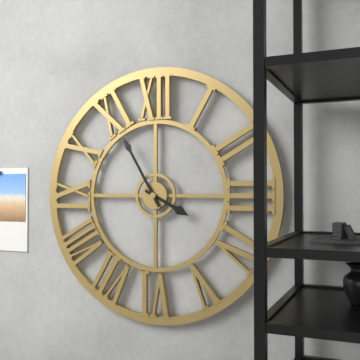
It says 3:55
